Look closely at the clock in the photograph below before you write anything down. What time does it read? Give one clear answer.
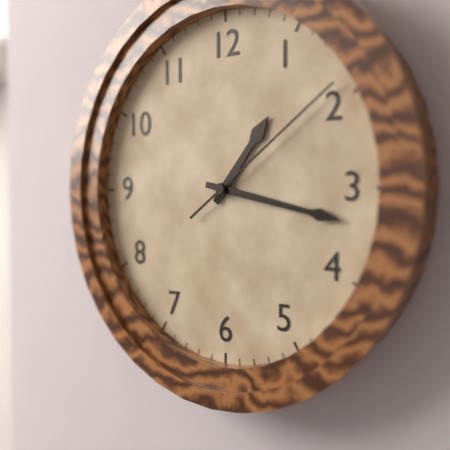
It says 1:17:09
